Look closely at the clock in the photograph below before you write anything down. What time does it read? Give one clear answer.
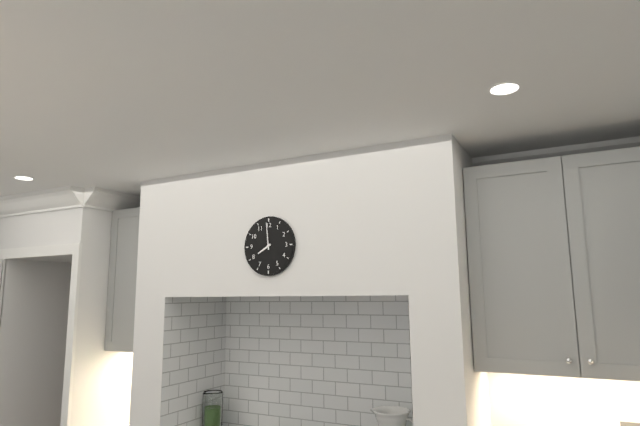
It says 7:59
